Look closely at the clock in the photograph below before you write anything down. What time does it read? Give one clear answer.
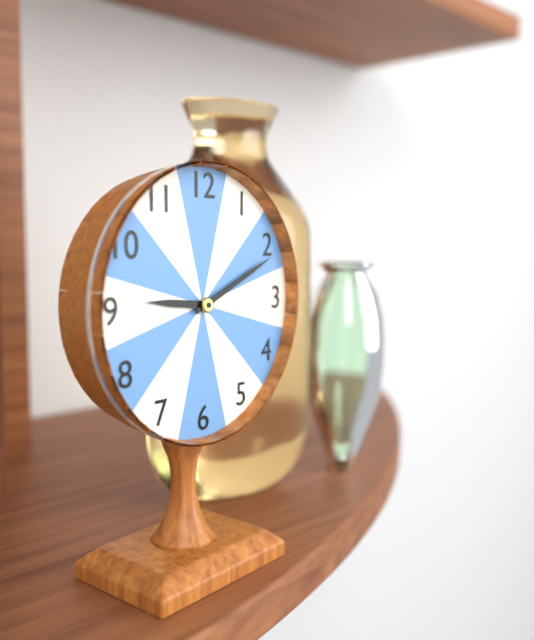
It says 9:11
